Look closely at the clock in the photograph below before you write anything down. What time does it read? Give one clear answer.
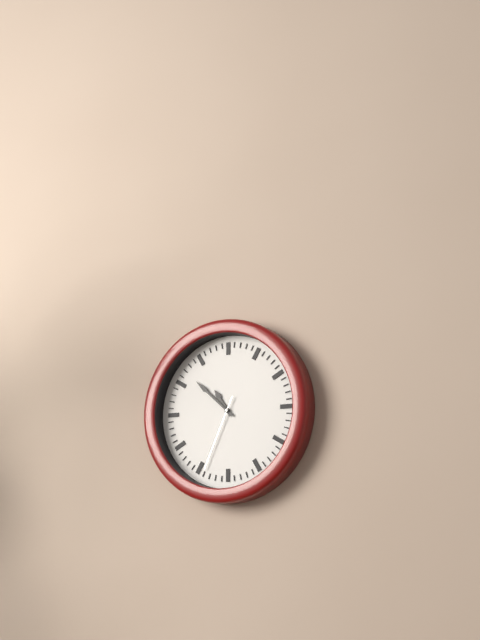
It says 10:52:34
